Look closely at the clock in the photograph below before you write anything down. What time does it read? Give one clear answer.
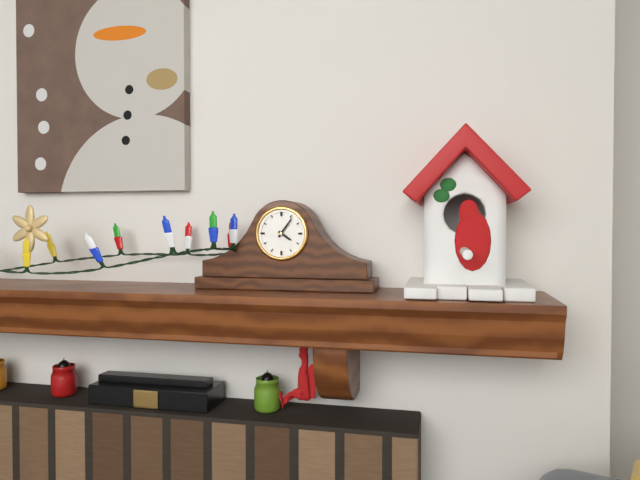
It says 4:06
